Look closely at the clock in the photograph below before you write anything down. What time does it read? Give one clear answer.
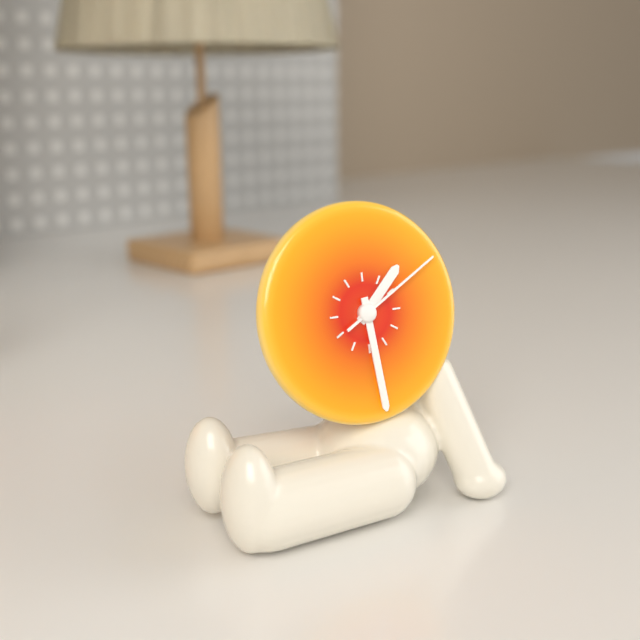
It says 1:29:10
